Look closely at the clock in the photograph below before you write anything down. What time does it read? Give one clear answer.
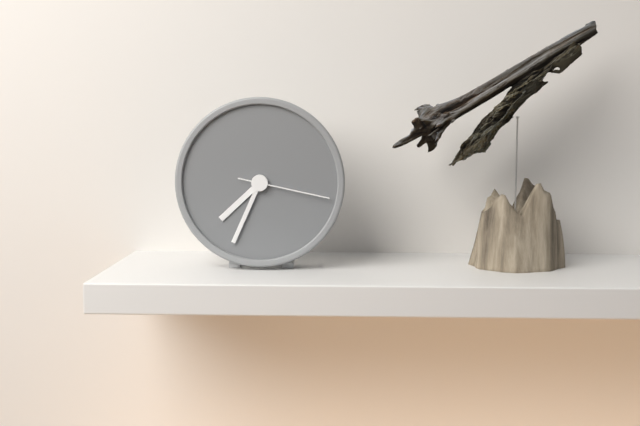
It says 7:34:17
